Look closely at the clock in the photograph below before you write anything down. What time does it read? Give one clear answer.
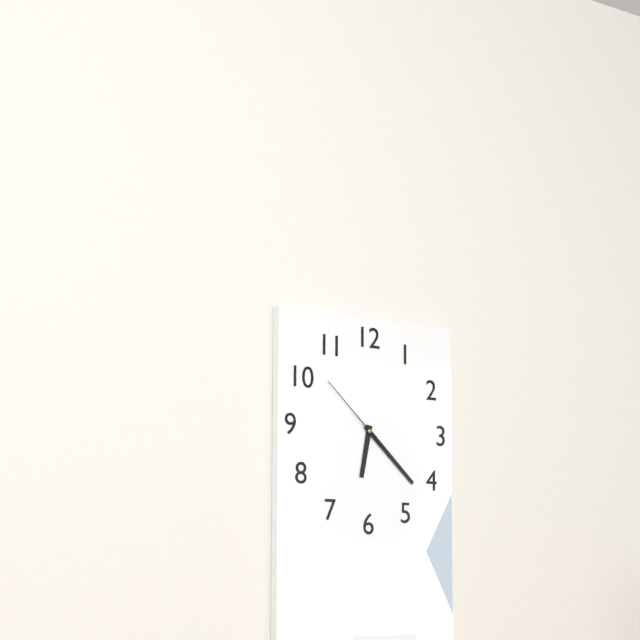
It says 6:22:52
